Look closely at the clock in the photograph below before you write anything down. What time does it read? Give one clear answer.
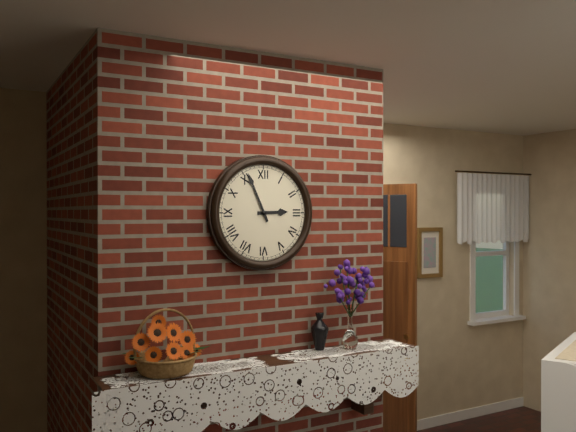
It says 2:56
